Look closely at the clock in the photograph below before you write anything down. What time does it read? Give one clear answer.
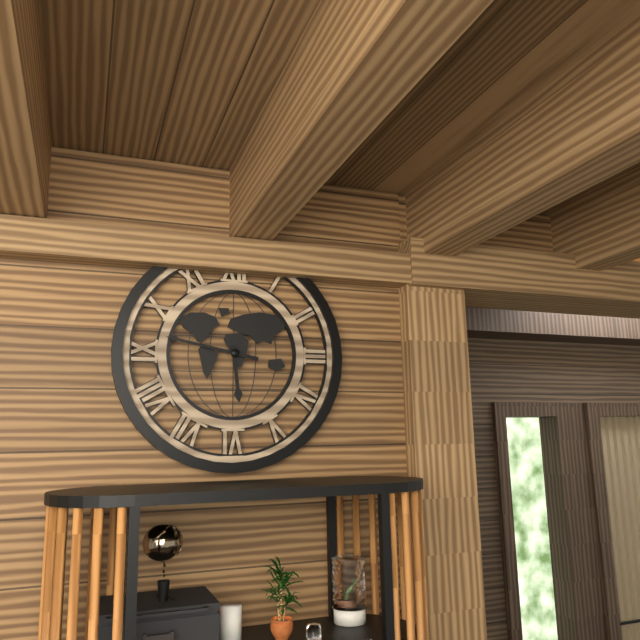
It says 5:47
